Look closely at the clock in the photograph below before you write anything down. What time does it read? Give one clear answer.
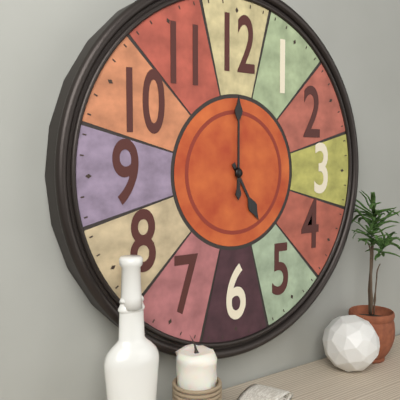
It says 5:00
